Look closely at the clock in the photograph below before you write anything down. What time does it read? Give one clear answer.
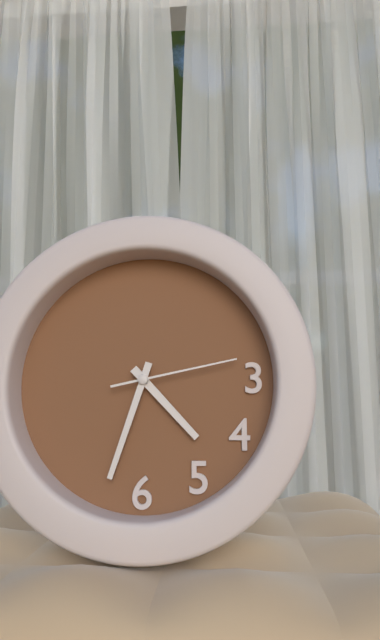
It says 4:33:13
